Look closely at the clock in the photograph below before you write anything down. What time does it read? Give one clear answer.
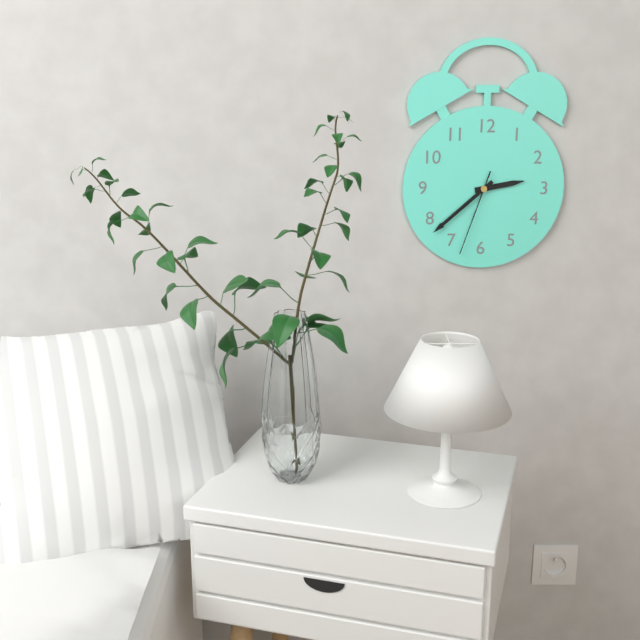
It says 2:38:33
